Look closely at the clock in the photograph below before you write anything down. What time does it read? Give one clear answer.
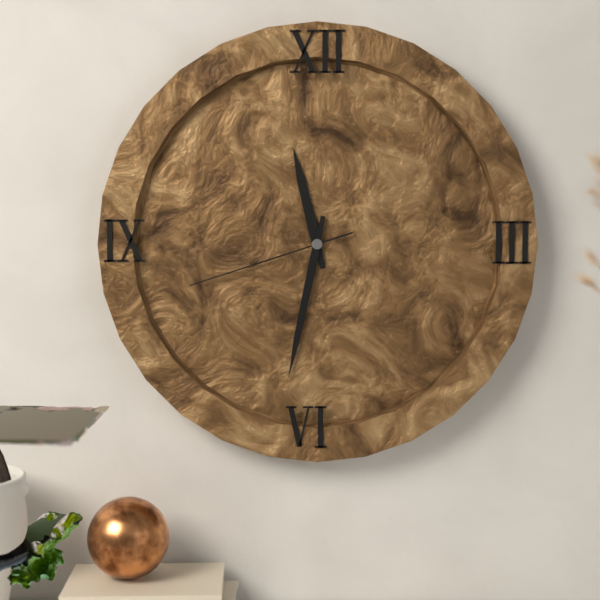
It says 11:32:42
